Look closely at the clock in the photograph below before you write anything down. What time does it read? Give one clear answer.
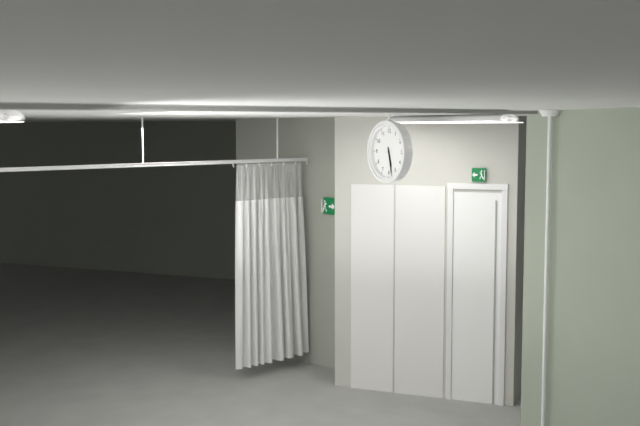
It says 5:28
